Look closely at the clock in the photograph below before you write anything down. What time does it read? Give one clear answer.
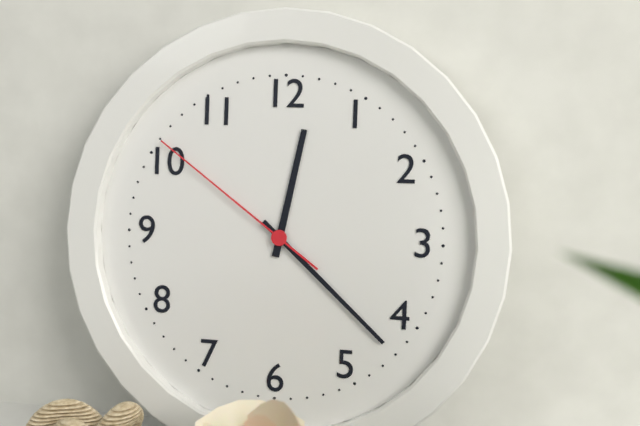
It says 12:22:51
